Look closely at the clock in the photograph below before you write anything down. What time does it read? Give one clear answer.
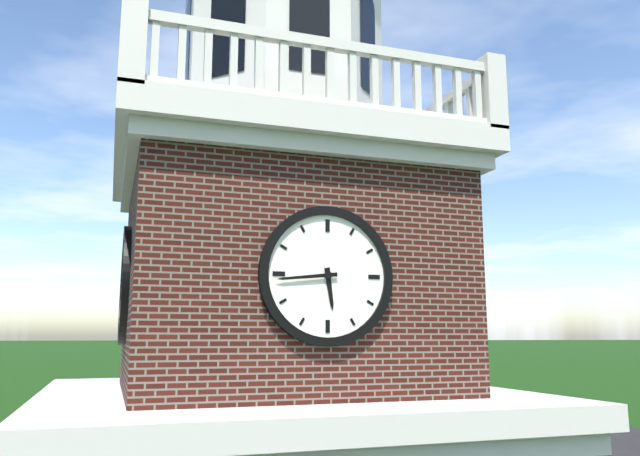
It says 5:44
